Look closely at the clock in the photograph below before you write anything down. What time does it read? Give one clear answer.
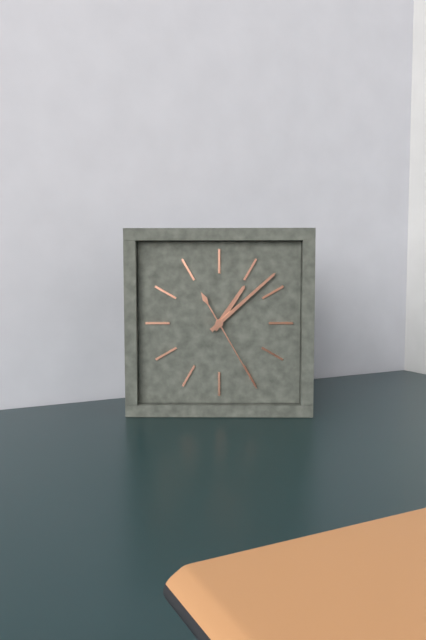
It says 1:08:25
